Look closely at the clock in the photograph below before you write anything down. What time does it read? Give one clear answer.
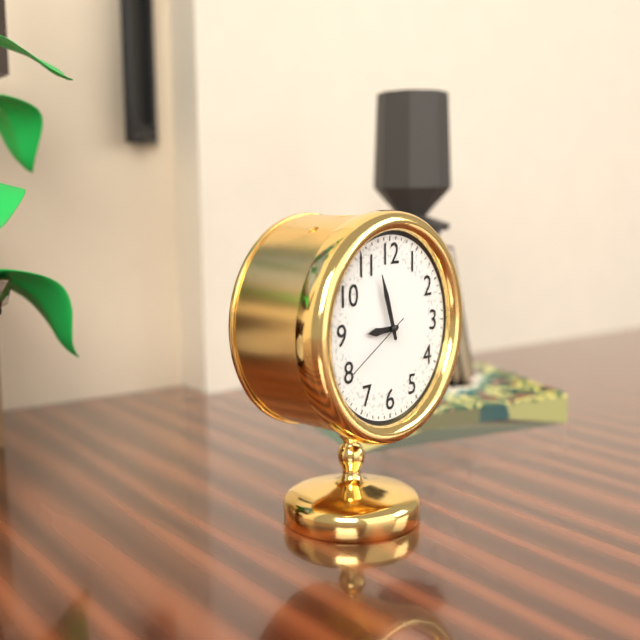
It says 8:57:40
